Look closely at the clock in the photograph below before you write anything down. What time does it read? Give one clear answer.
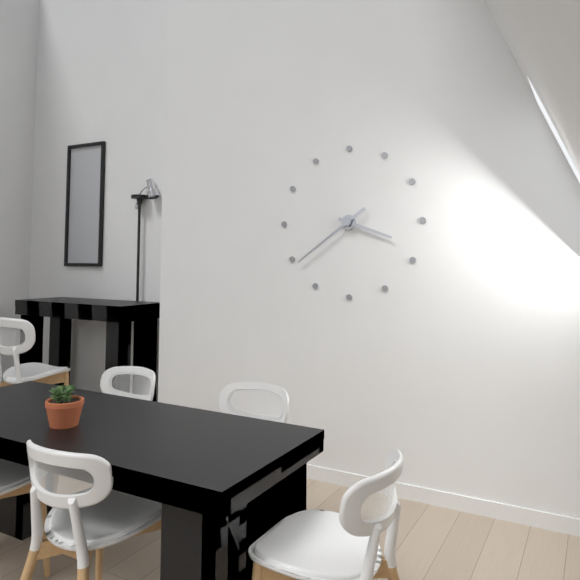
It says 3:39
